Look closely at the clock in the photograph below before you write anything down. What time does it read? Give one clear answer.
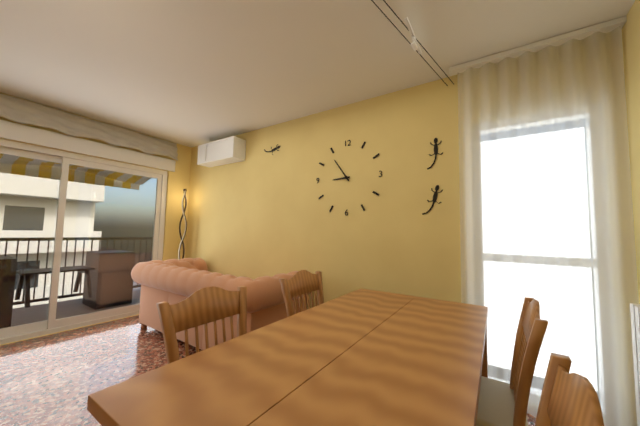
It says 8:54
